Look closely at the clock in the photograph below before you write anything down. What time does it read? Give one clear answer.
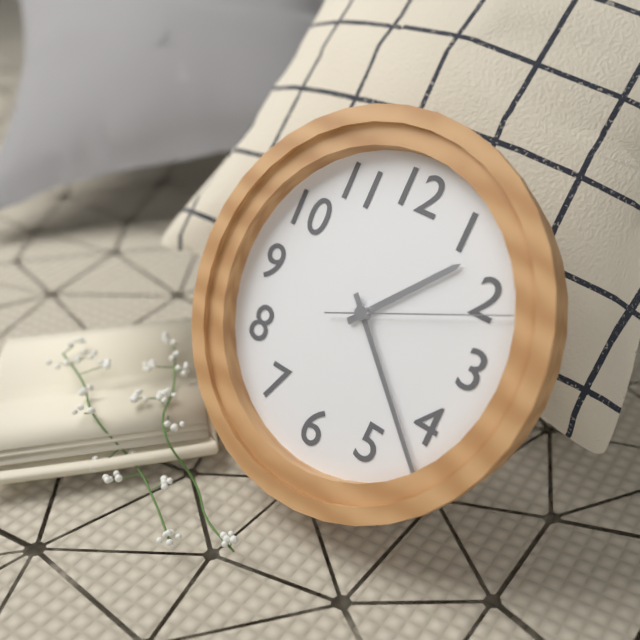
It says 1:22:11
